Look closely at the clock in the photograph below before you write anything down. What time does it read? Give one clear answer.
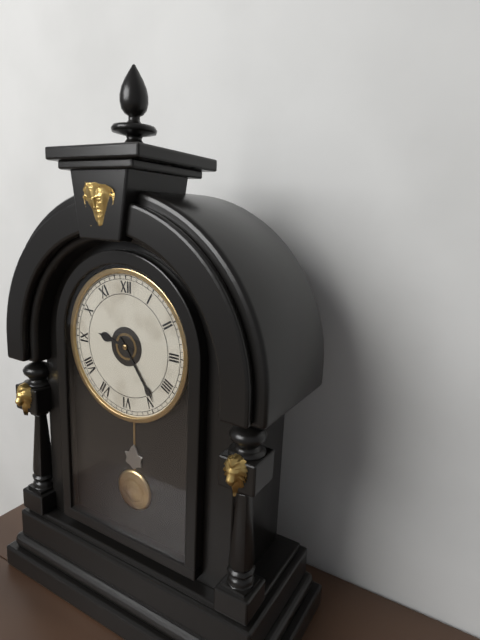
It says 9:24
